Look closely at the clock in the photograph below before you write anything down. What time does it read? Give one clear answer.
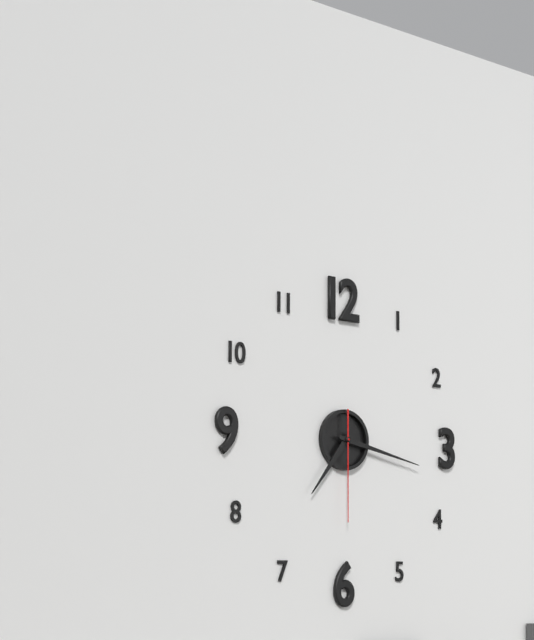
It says 7:17:30
